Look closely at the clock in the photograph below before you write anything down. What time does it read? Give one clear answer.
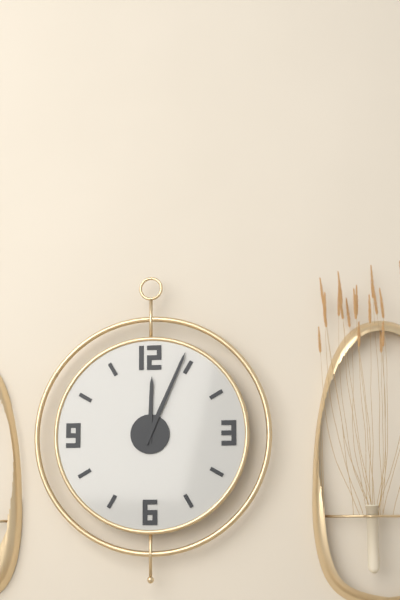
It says 12:04
